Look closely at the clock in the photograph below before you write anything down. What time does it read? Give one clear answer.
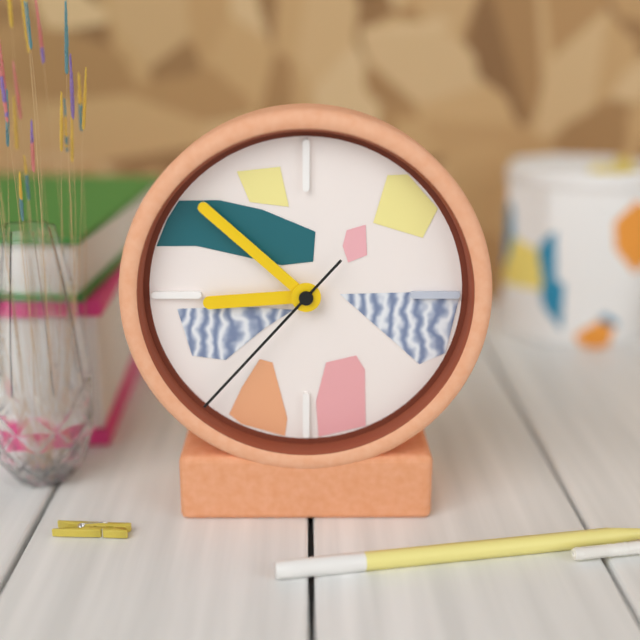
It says 8:52:37
